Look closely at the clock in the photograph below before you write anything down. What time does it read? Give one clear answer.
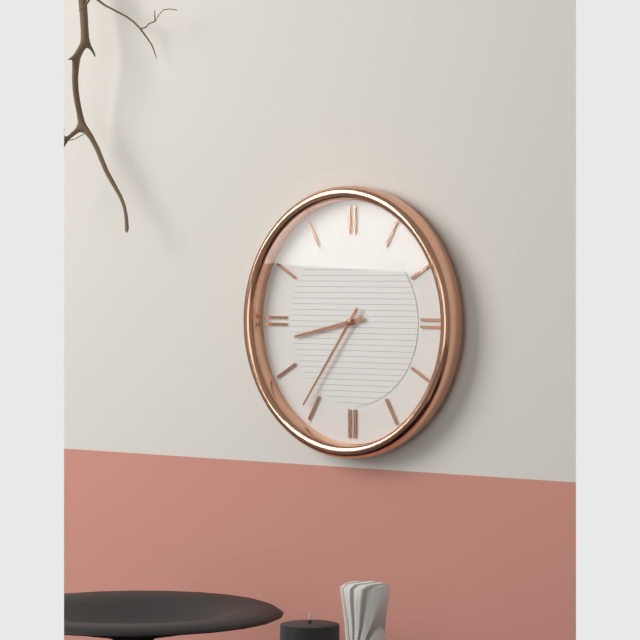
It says 8:36
